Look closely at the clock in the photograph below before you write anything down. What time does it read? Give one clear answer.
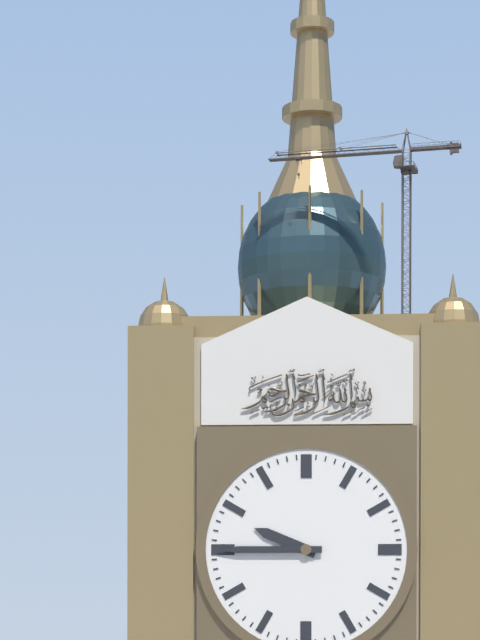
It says 9:45
